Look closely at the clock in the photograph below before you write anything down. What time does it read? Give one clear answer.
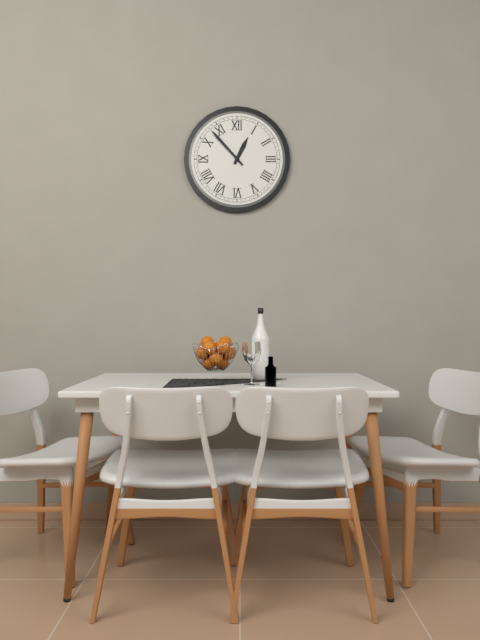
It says 12:53
